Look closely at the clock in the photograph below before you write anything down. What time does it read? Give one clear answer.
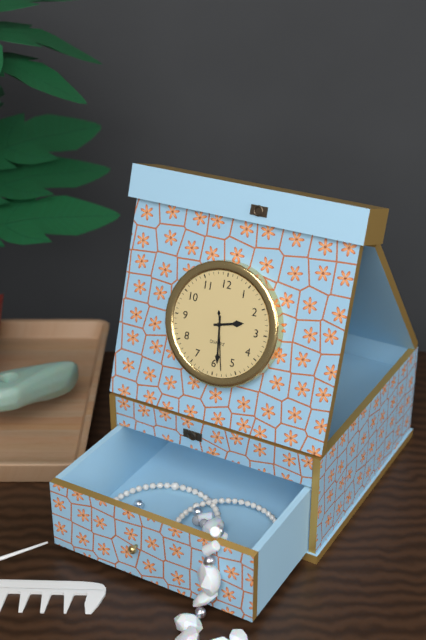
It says 2:29:28
